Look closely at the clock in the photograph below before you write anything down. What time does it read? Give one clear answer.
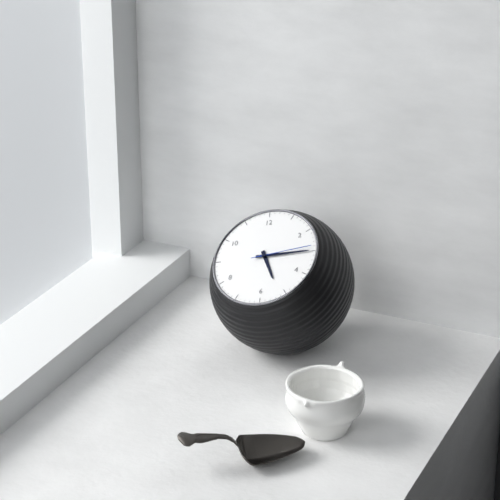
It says 5:15:14
